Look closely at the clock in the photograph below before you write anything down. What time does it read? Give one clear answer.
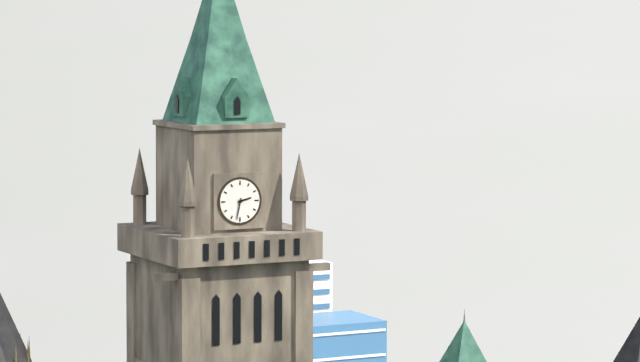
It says 2:32
